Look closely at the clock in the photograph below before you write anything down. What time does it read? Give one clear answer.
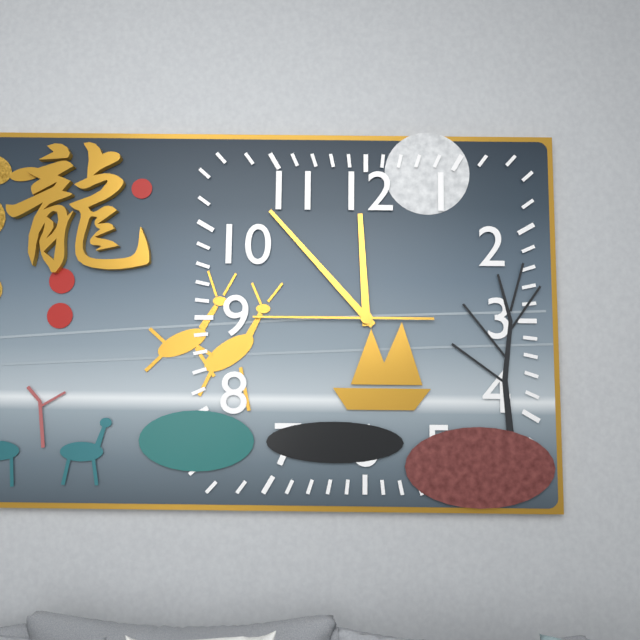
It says 11:53:45
